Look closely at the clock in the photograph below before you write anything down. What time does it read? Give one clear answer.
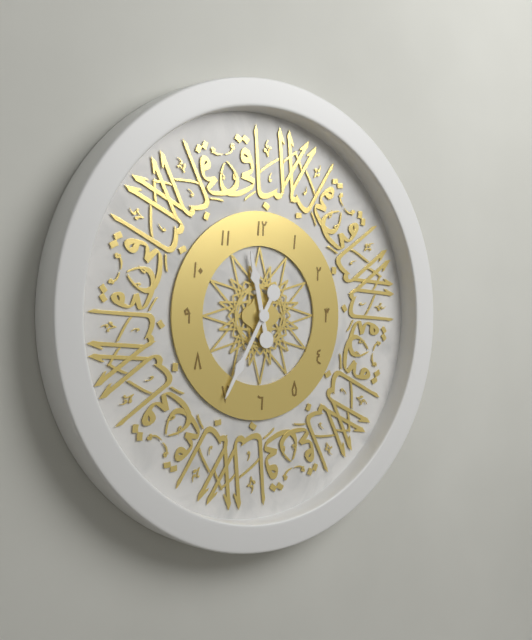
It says 11:35
